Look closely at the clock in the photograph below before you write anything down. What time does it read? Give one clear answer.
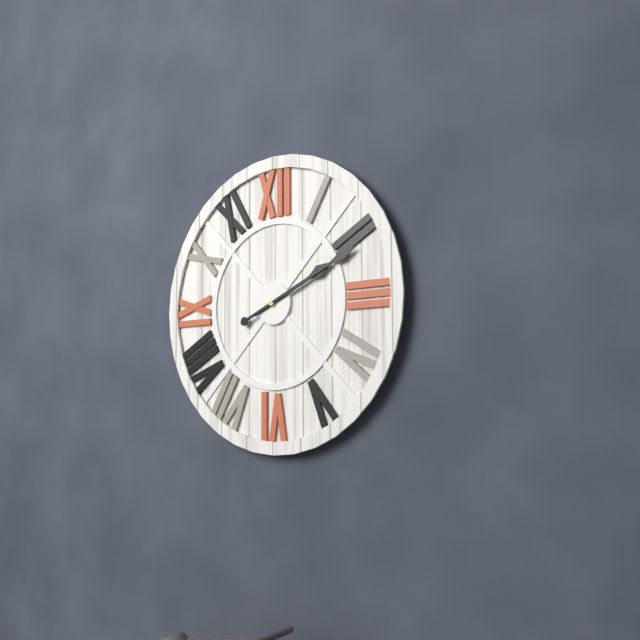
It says 2:11
